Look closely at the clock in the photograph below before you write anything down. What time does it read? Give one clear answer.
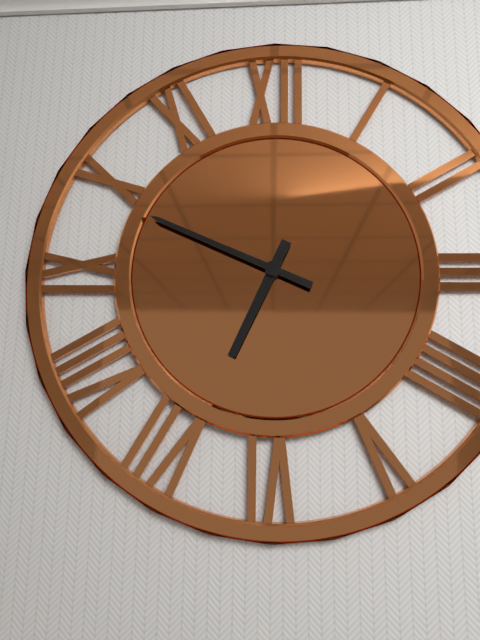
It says 6:49
